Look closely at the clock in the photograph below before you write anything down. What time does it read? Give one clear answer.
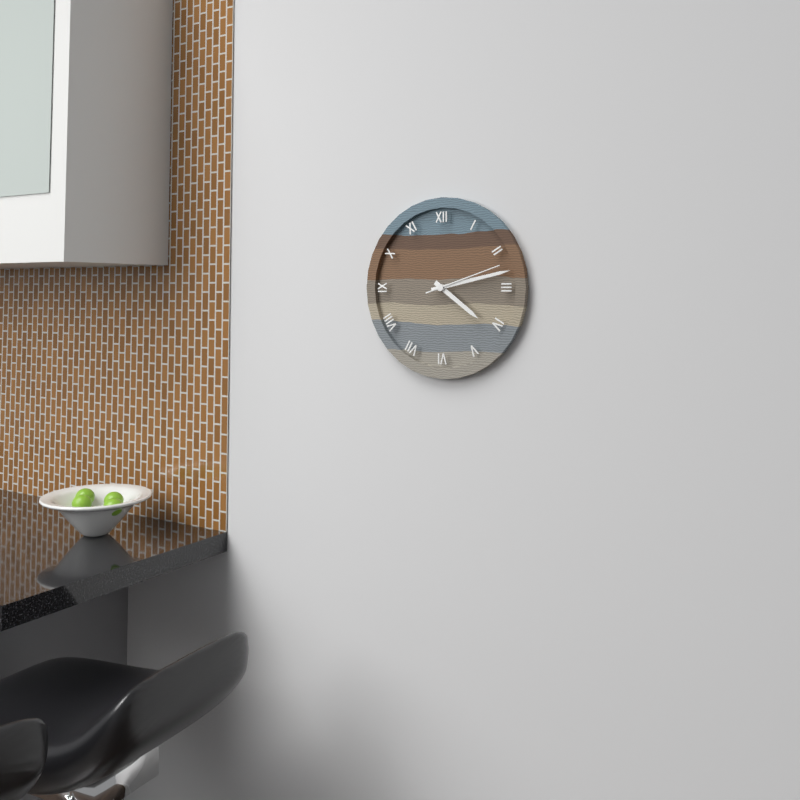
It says 4:13:12
